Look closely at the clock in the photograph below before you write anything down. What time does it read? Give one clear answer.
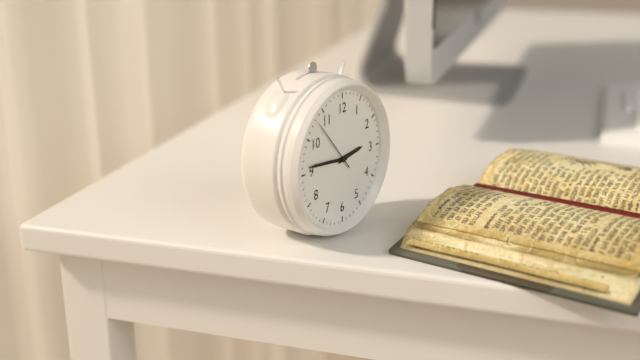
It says 2:46:53
